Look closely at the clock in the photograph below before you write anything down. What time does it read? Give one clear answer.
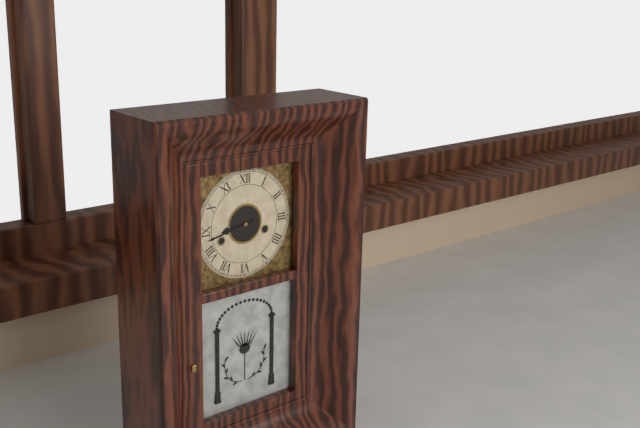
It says 8:43
